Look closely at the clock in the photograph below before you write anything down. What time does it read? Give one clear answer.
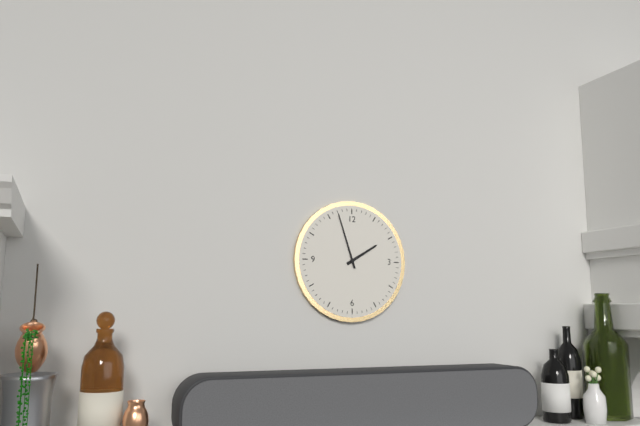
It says 1:57
